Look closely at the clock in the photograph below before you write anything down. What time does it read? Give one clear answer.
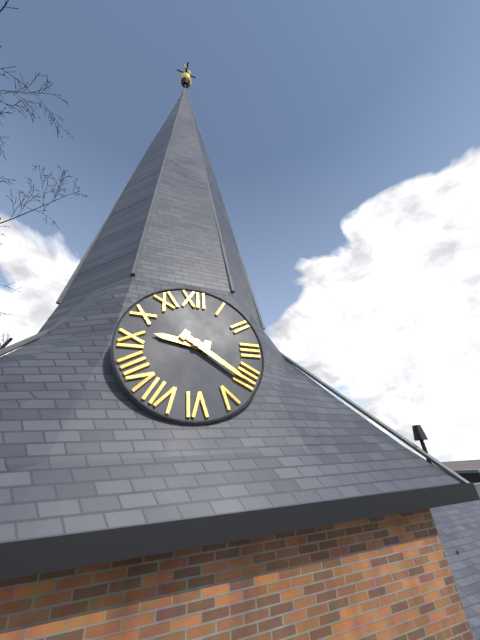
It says 9:21
